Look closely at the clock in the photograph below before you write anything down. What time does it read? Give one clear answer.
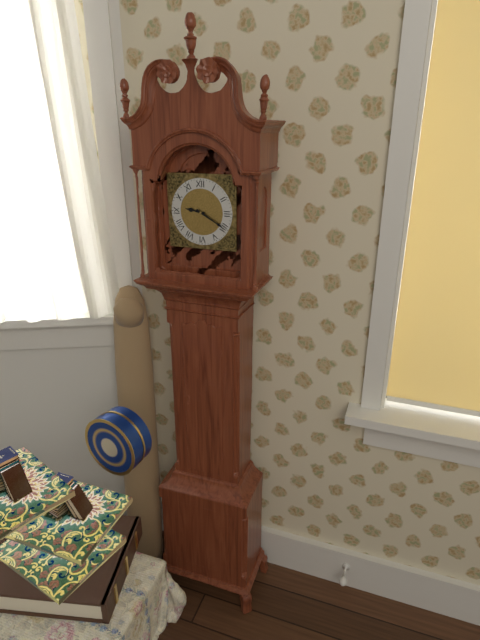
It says 9:20
